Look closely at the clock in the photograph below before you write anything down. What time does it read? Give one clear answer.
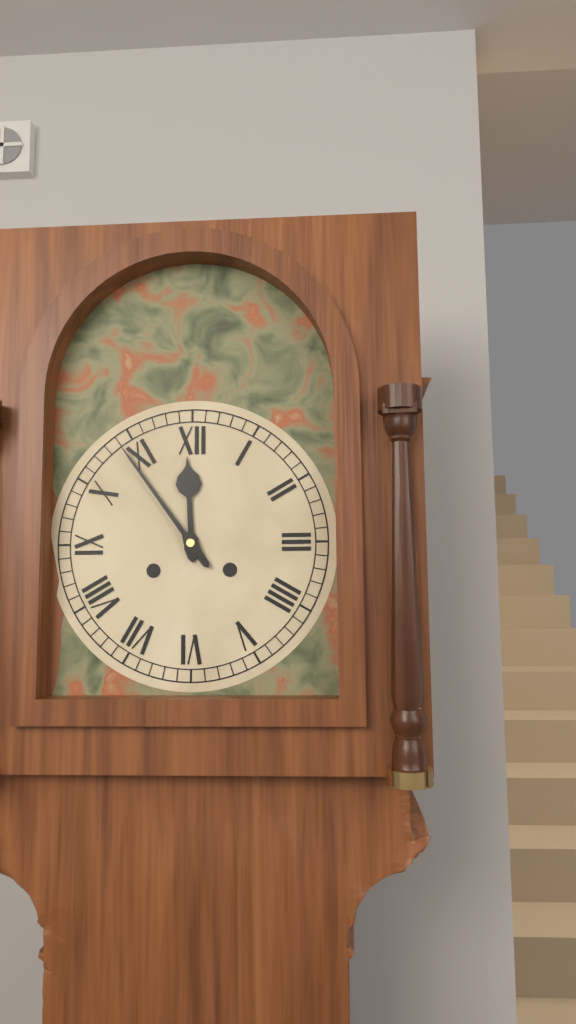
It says 11:54
